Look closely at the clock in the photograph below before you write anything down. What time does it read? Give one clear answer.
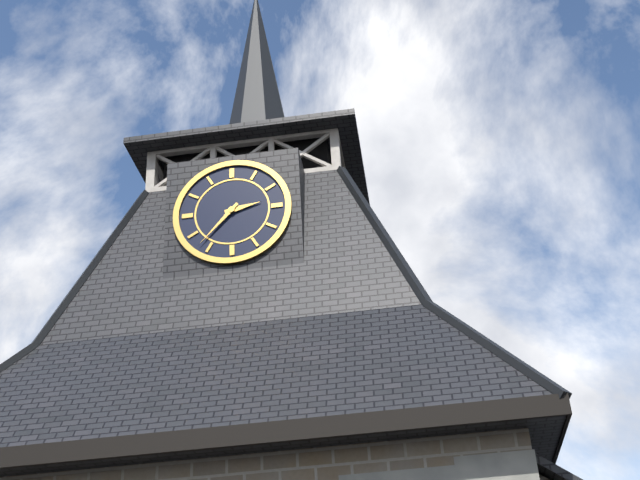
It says 2:37
